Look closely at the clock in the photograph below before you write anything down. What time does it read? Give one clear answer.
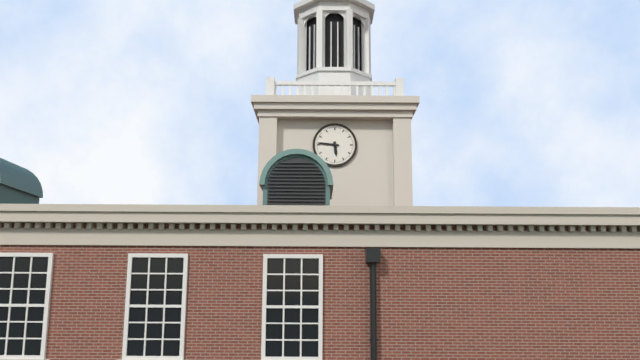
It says 5:46
